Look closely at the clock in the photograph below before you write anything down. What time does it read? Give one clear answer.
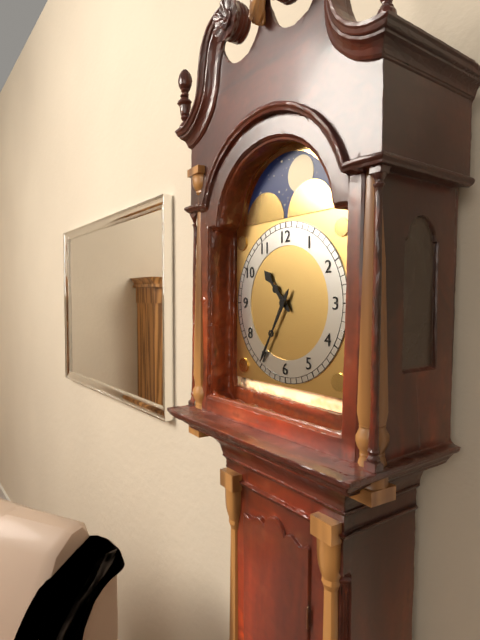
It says 10:35
